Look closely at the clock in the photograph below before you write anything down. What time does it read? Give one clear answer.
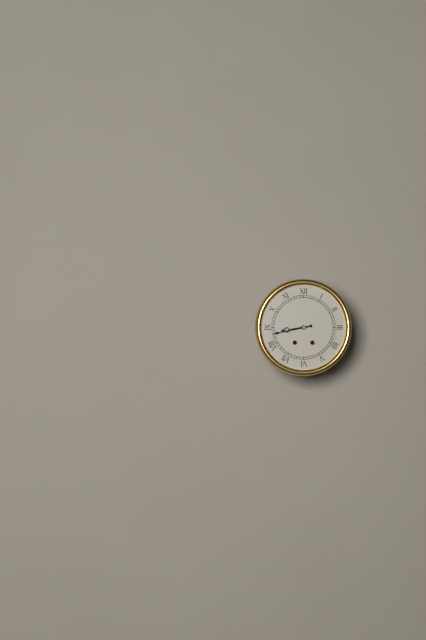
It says 8:43
